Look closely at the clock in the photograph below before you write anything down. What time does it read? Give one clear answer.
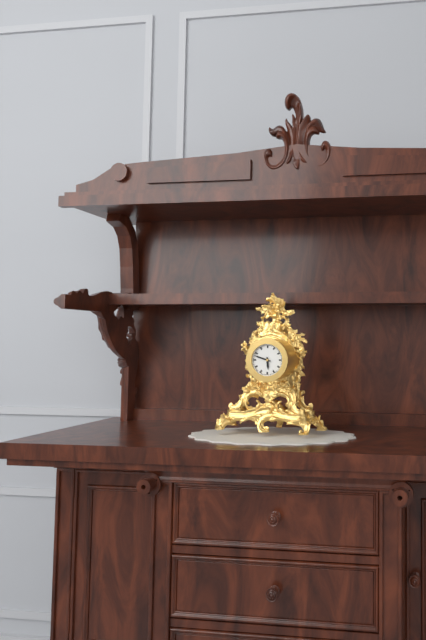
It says 5:48
